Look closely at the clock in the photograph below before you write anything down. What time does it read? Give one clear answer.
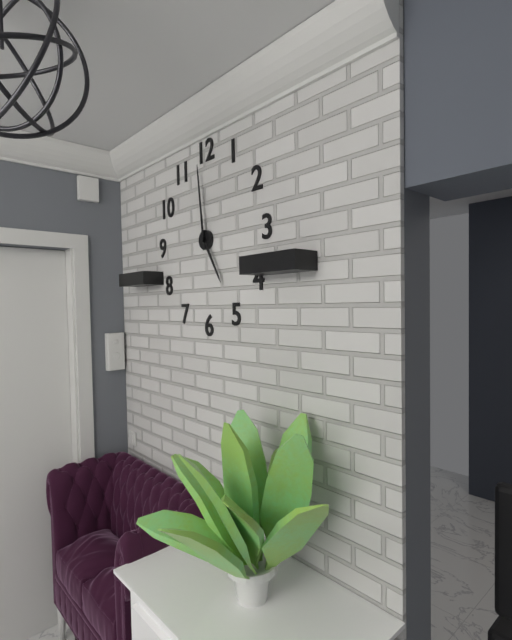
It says 4:59
